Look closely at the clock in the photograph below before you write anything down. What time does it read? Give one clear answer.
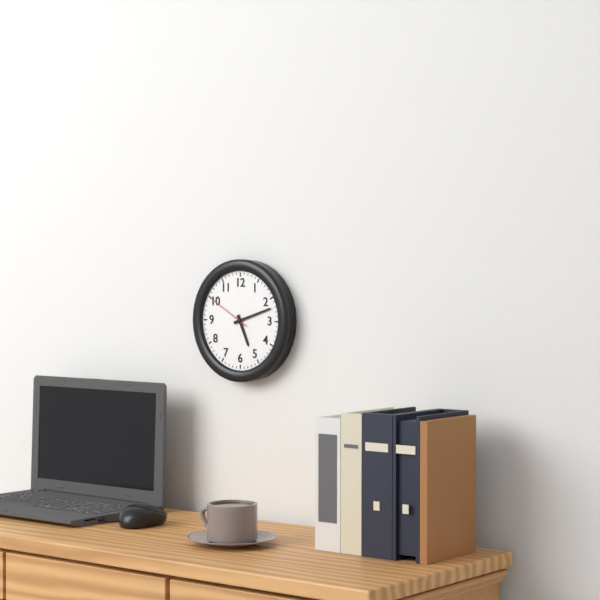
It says 5:12
